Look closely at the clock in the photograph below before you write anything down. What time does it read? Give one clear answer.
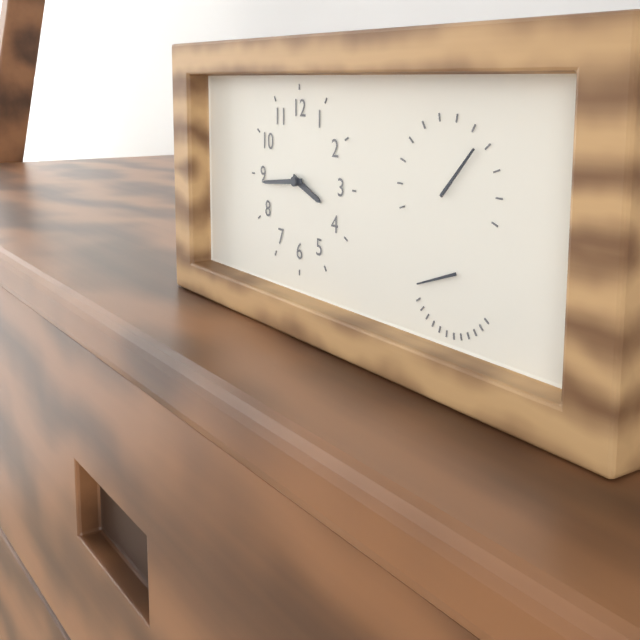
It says 3:44
